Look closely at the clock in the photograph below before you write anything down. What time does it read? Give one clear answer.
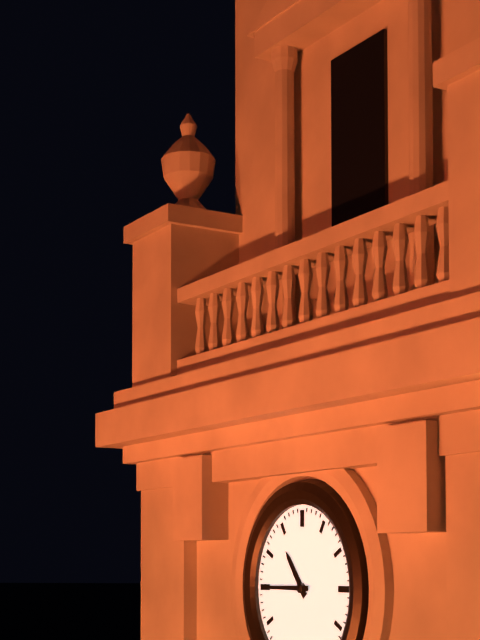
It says 10:45
